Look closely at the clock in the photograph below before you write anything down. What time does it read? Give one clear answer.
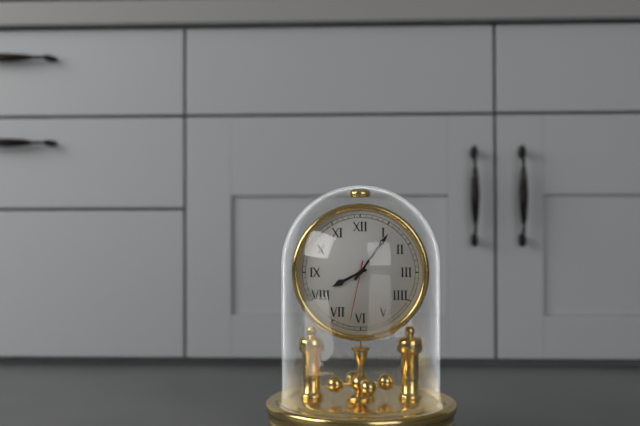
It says 8:06:32
